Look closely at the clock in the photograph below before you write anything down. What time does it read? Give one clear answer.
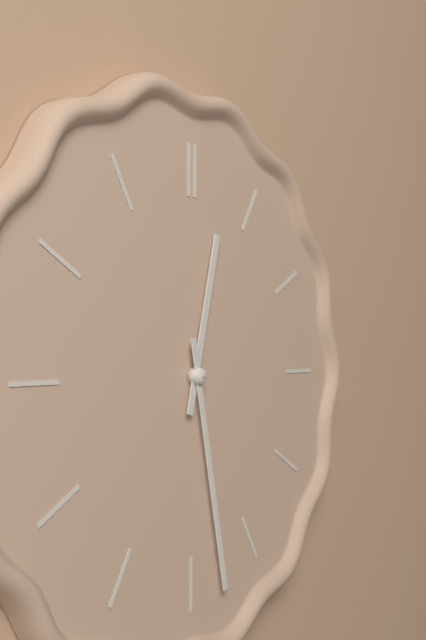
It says 12:28
